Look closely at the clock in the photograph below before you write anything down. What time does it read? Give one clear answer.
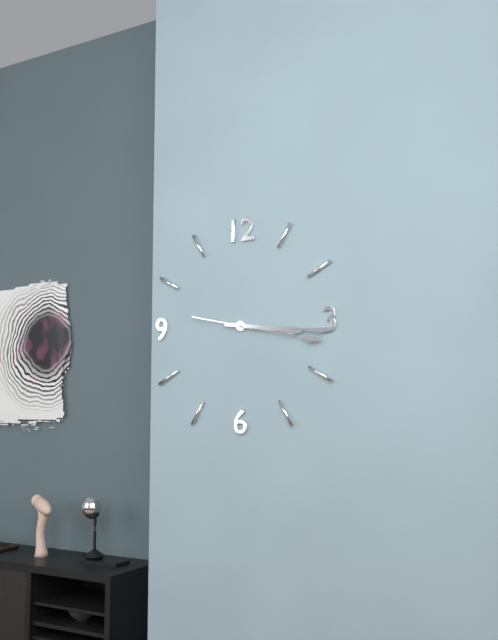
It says 3:16:17
